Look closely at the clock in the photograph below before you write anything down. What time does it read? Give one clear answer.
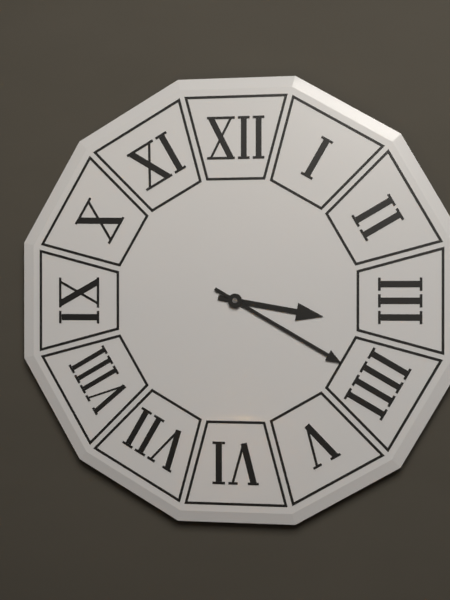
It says 3:20
